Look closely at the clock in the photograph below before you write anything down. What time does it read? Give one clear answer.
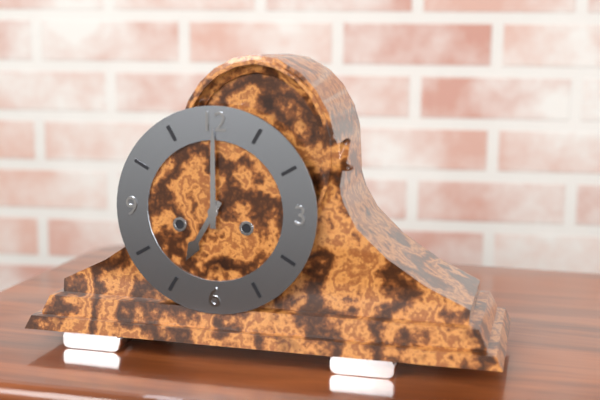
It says 7:00
